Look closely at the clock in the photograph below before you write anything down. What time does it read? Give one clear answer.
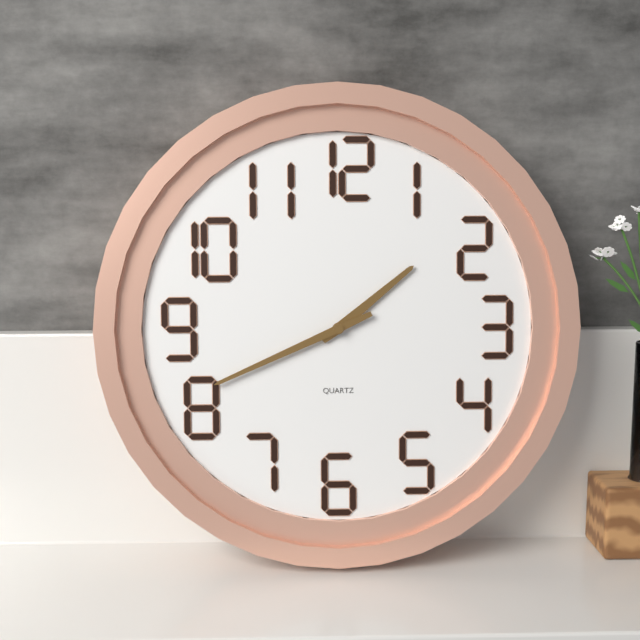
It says 1:41
